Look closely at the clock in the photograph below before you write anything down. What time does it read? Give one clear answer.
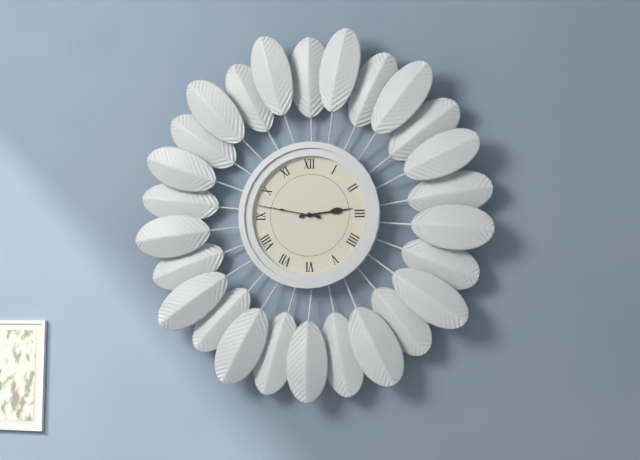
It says 2:47
